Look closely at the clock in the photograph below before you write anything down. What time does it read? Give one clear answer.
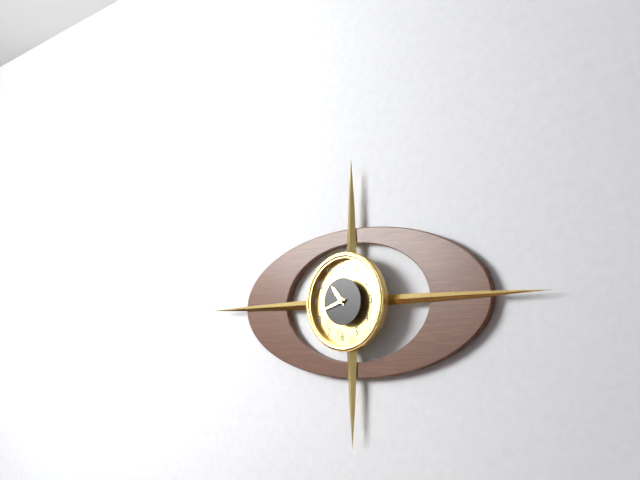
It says 10:42
